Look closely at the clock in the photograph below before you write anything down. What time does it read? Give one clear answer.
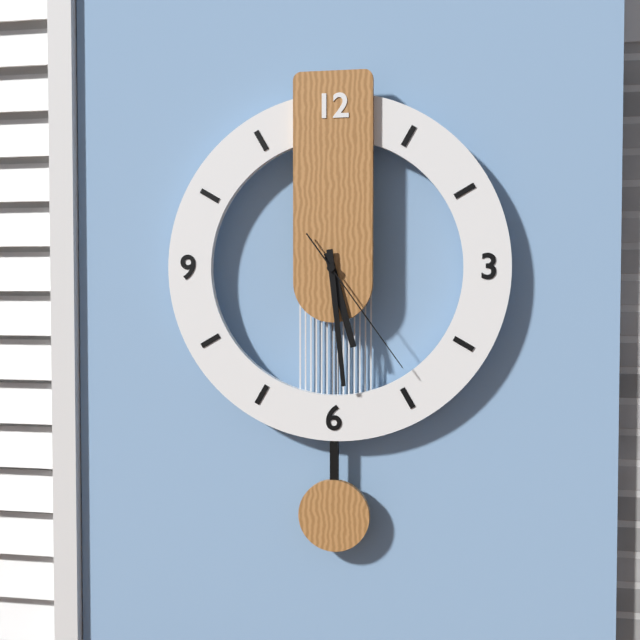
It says 5:29:24
